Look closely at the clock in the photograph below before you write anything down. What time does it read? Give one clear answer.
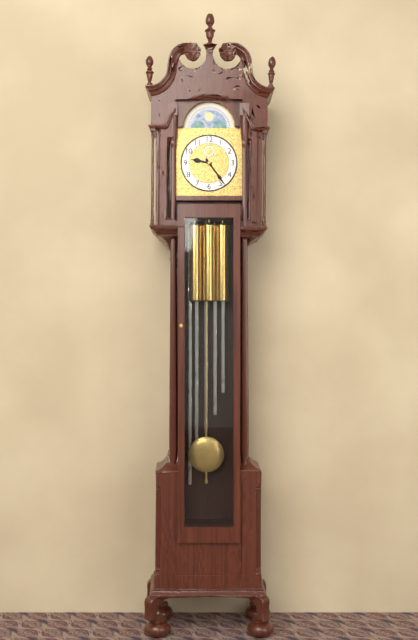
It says 9:24
